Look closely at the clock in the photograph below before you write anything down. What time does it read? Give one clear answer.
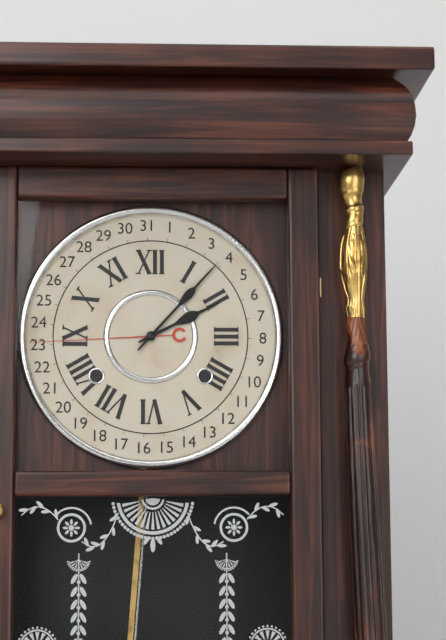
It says 2:07
